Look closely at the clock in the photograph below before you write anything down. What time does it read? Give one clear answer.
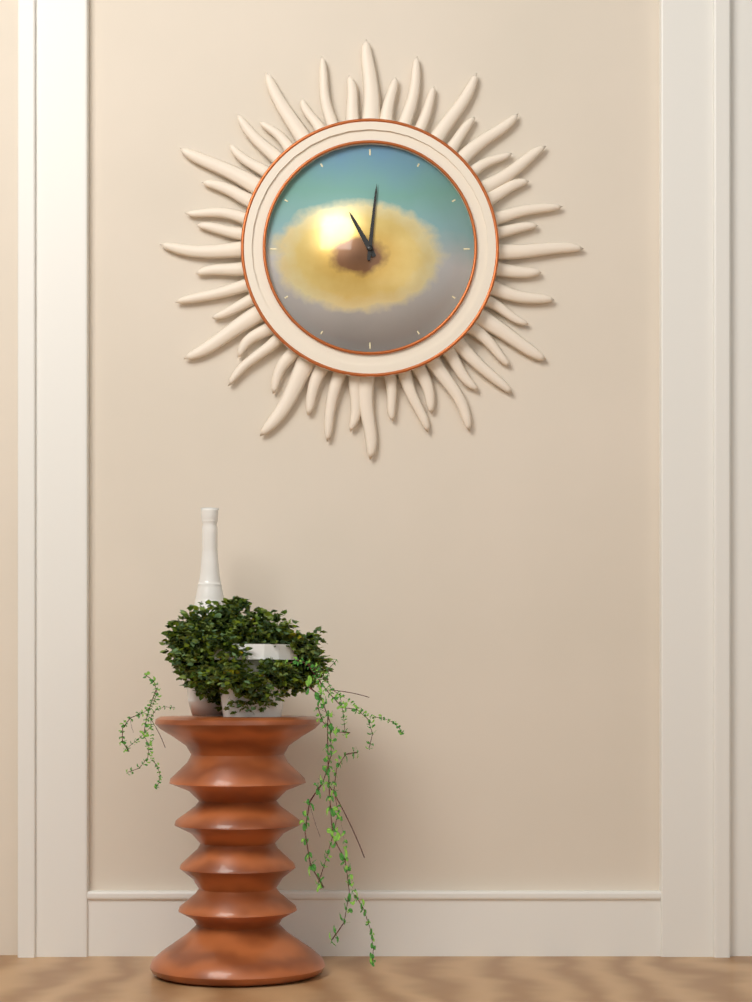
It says 11:01
